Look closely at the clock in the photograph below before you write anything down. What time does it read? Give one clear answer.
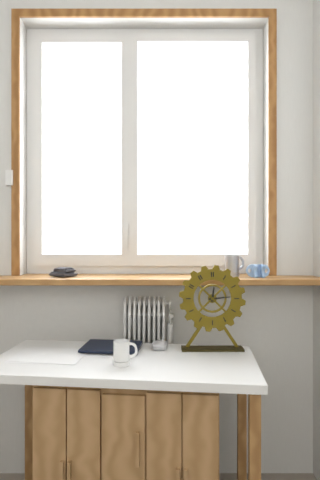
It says 12:14
